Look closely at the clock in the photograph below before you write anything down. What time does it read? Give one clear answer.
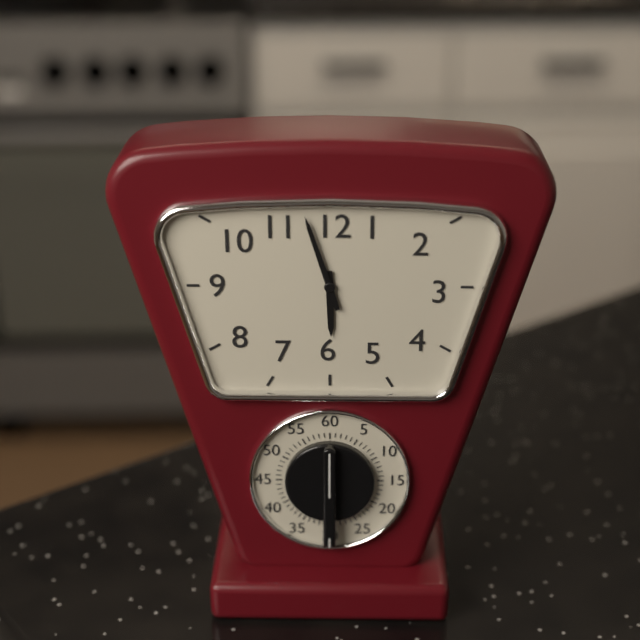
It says 5:57
